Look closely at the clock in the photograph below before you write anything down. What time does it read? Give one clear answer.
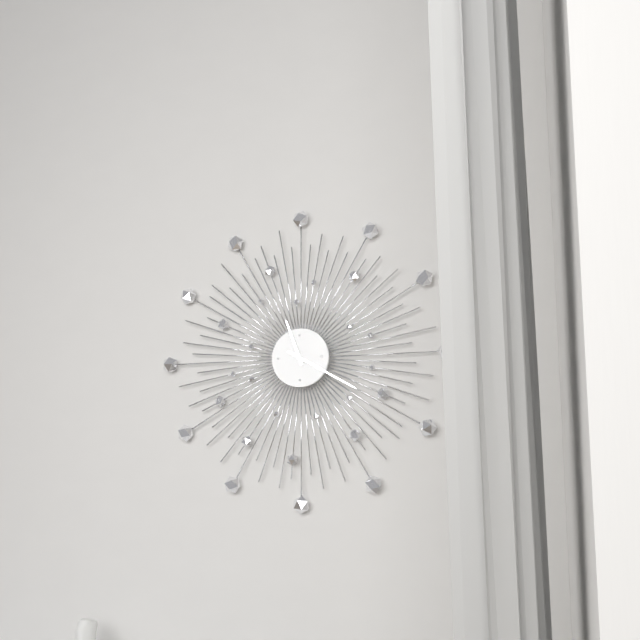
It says 11:20
